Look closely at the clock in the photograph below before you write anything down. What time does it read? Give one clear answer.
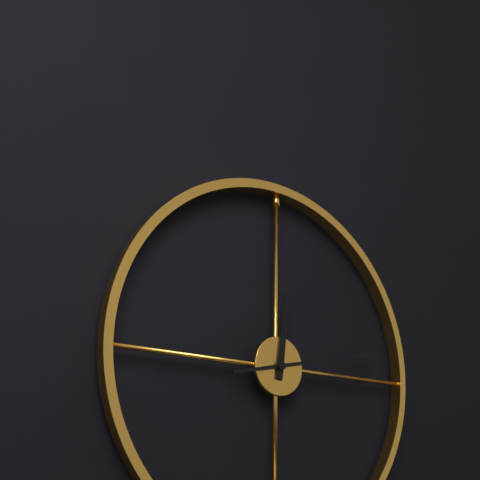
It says 12:13
